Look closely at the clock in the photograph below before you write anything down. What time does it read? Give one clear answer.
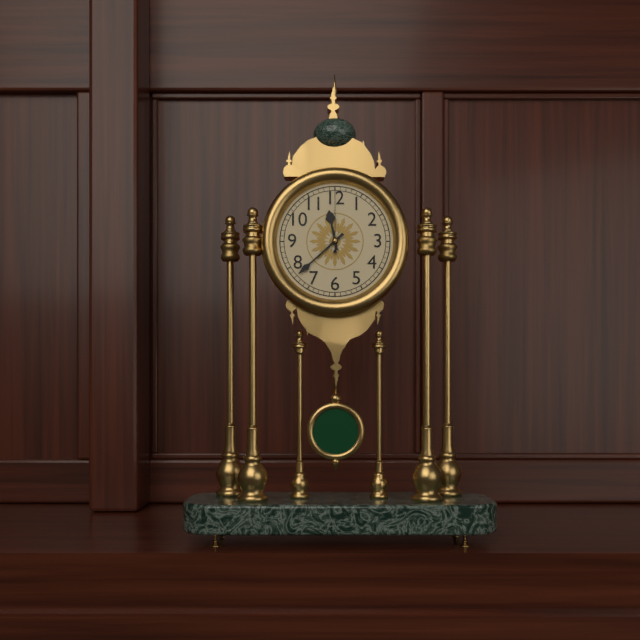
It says 11:38:00
